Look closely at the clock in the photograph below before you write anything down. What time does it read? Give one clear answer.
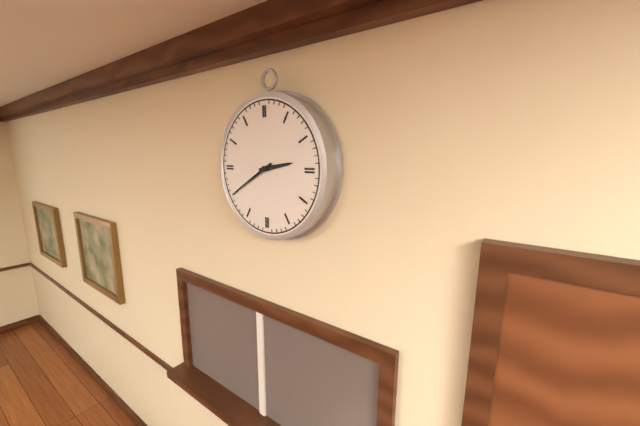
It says 2:40
